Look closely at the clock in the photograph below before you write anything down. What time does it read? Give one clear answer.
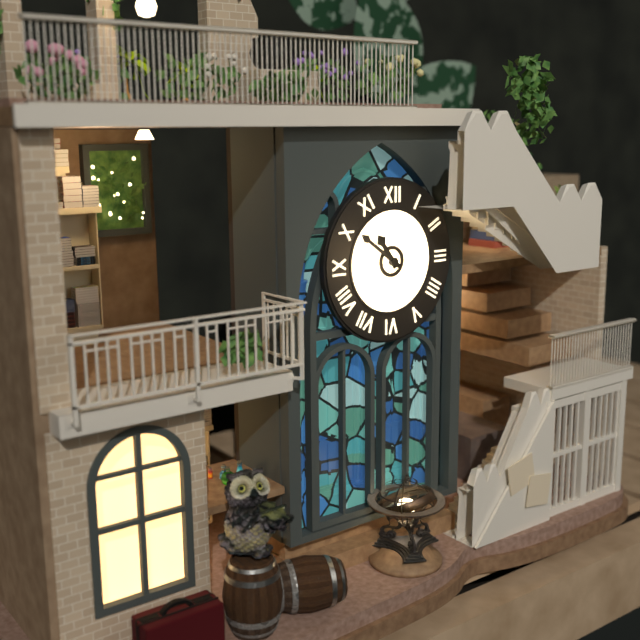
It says 10:51
